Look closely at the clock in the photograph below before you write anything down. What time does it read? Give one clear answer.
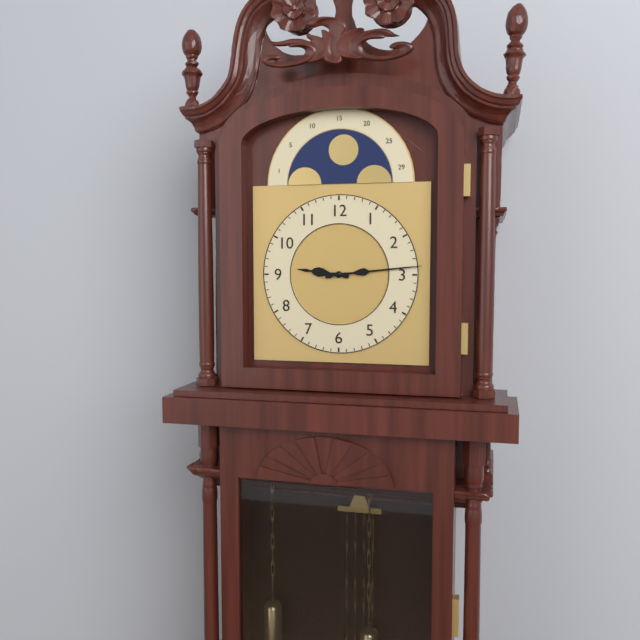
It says 9:14
